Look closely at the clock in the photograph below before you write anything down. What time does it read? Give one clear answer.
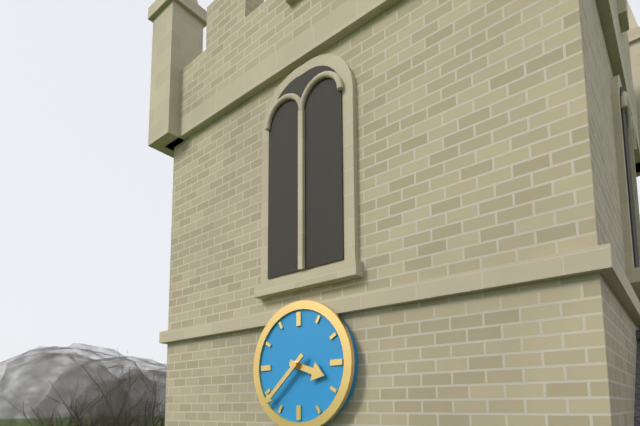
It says 3:38
